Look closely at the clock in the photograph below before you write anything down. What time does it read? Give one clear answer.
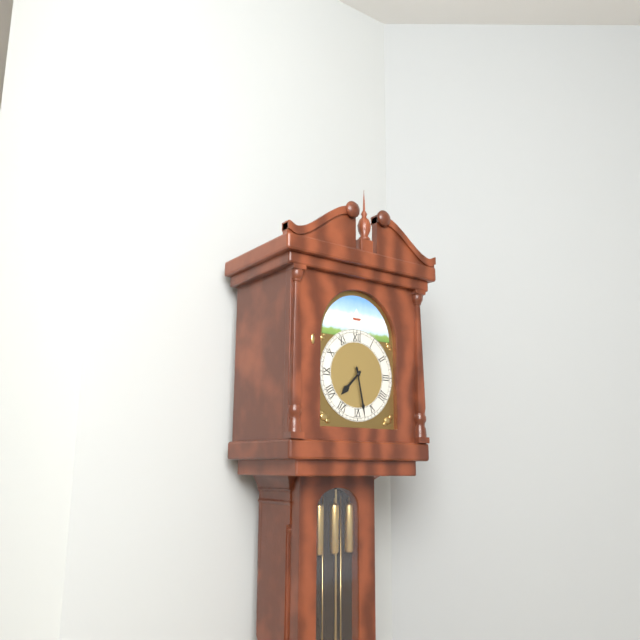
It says 7:28
